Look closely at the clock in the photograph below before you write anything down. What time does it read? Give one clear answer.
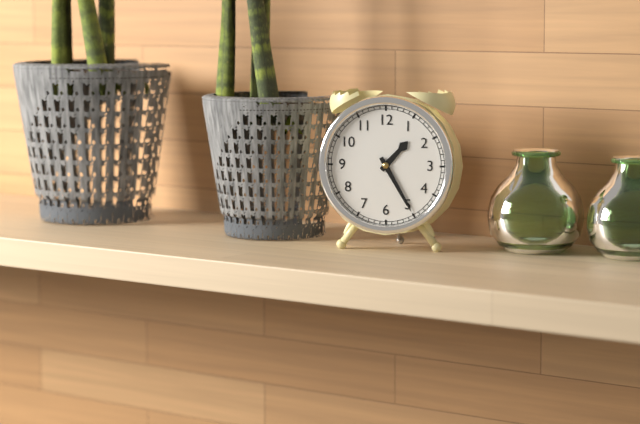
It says 1:25
